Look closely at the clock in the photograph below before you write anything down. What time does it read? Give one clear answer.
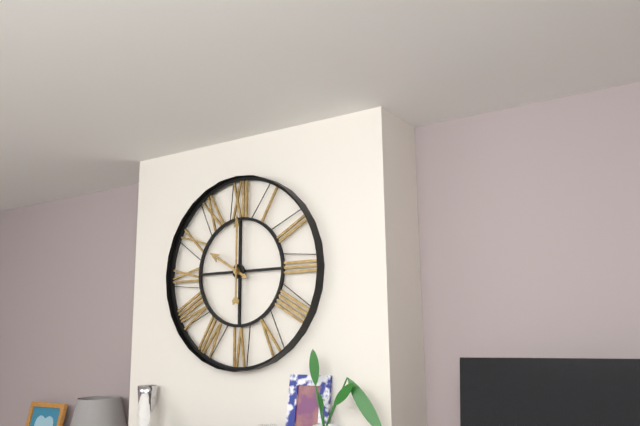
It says 10:00
